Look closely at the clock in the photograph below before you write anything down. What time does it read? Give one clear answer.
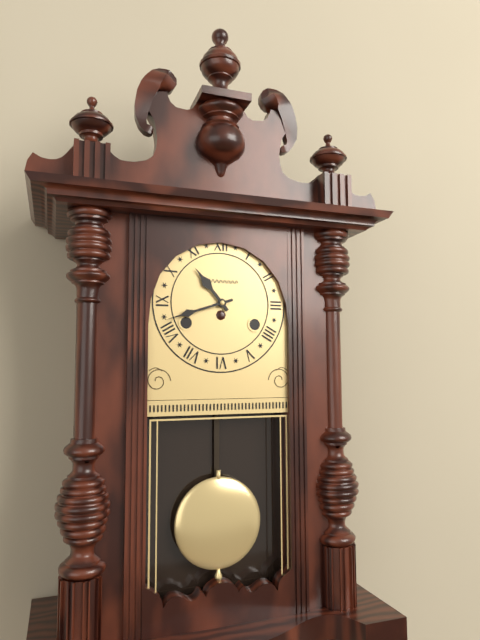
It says 10:42
